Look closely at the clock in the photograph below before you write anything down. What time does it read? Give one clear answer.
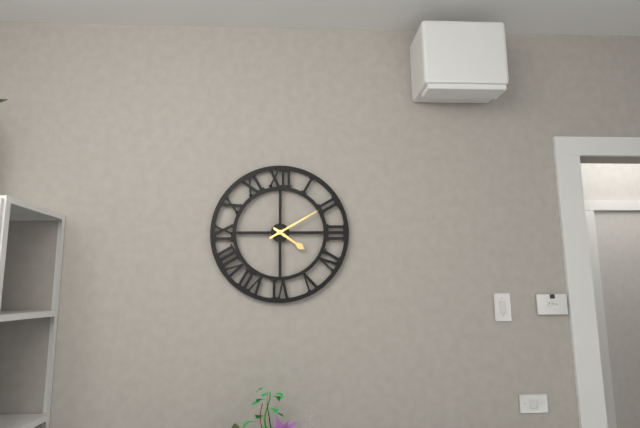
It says 4:10
